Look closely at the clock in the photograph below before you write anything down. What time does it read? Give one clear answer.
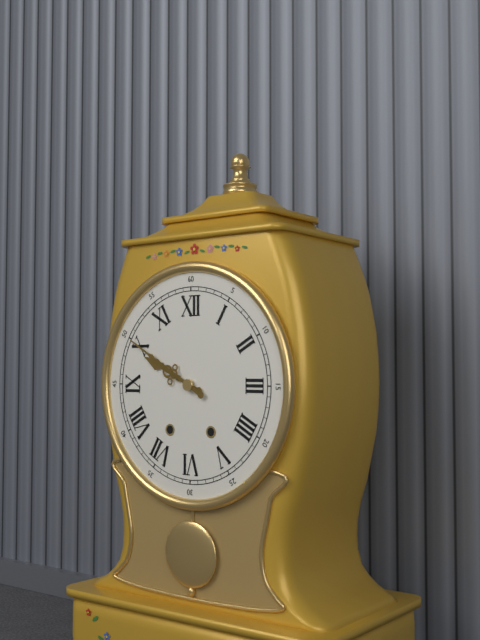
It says 9:50
